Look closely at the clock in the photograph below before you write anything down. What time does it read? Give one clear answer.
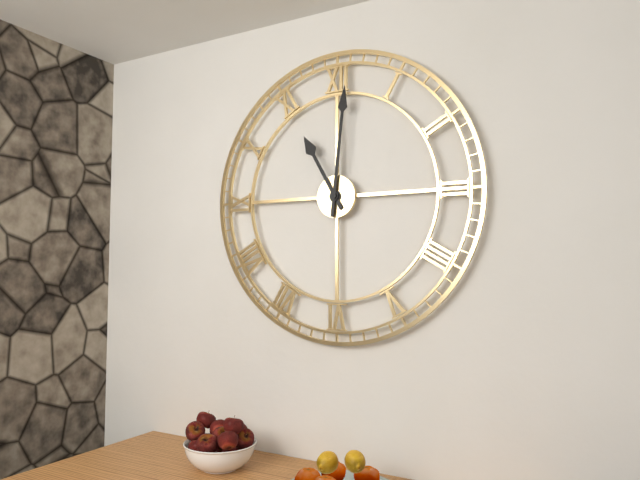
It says 11:01
